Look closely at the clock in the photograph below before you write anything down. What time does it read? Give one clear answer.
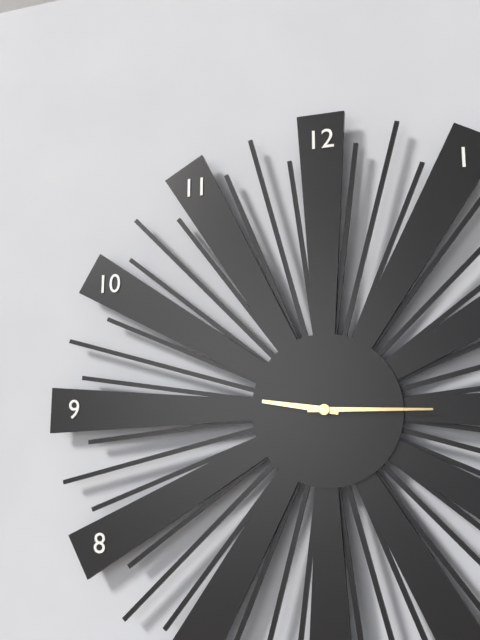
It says 9:15
